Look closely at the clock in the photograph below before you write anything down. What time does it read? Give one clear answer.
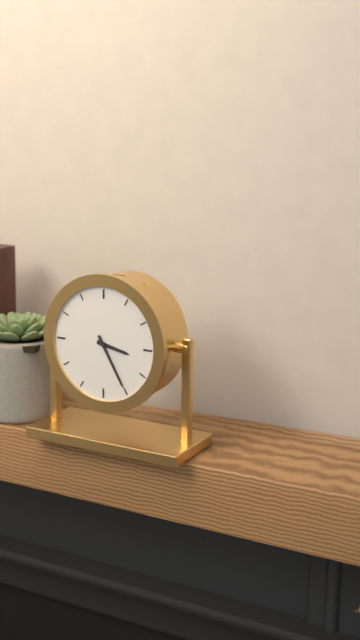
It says 3:25
